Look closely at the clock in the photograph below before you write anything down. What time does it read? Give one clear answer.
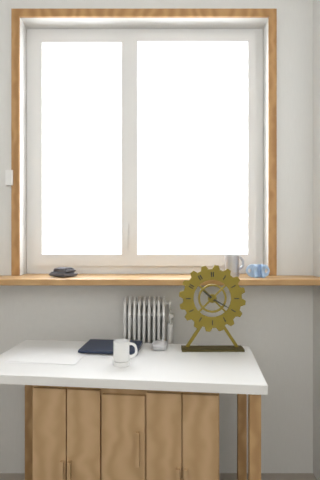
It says 10:20
